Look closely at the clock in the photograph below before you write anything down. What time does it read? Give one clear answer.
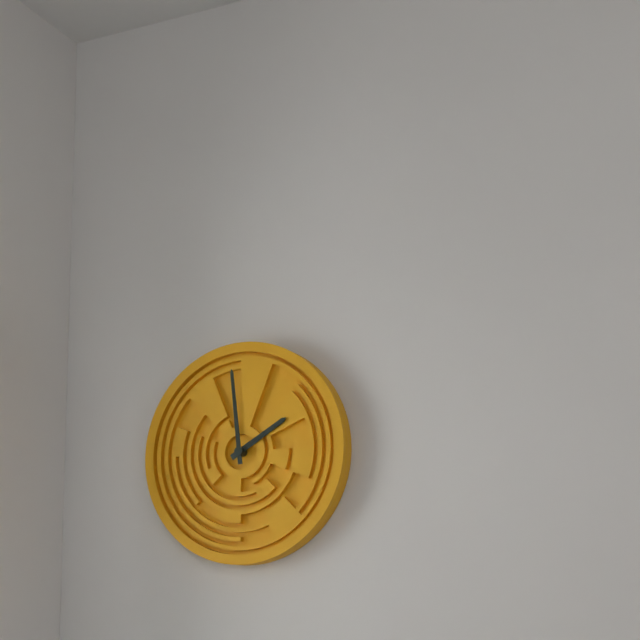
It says 1:59
